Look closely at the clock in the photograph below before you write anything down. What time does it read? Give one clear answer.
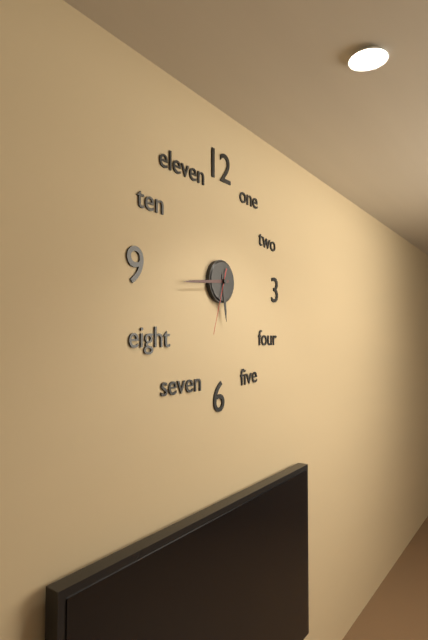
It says 5:44:33
